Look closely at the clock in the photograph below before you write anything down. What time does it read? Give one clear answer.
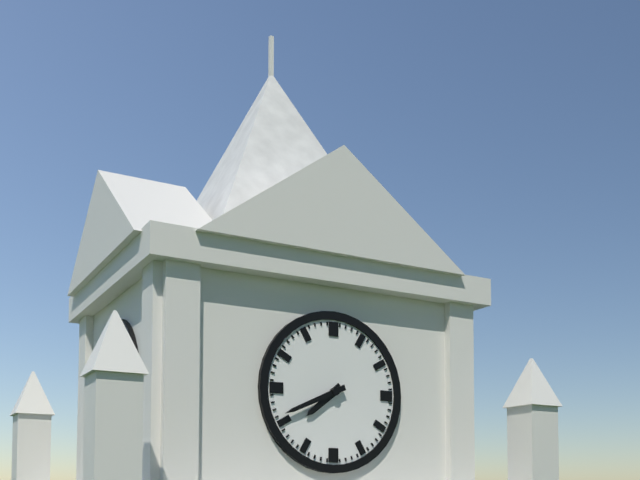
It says 7:41
